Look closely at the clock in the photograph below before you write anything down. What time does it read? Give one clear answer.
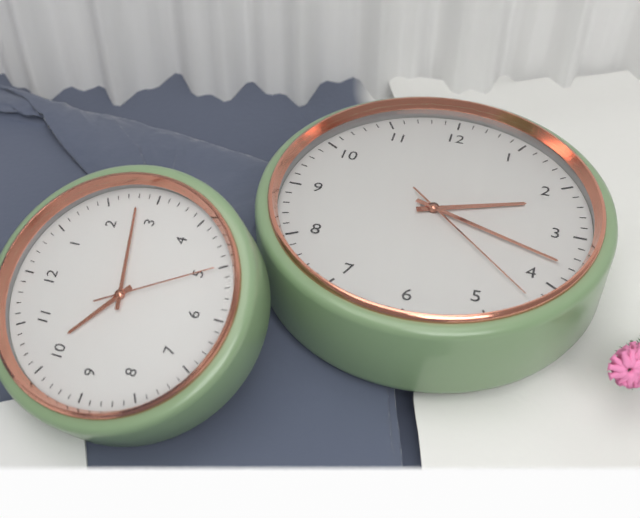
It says 2:18:22
